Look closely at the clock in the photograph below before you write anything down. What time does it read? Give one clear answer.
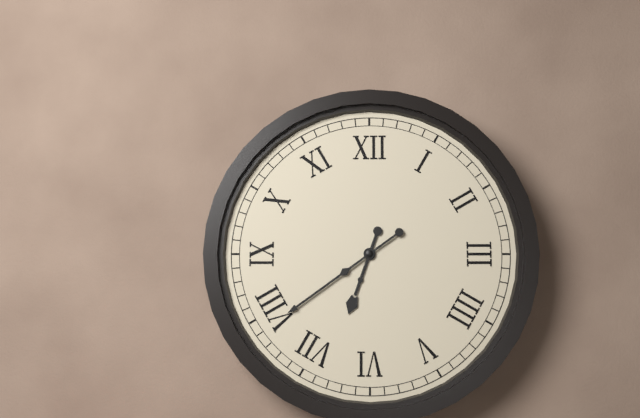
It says 6:39
